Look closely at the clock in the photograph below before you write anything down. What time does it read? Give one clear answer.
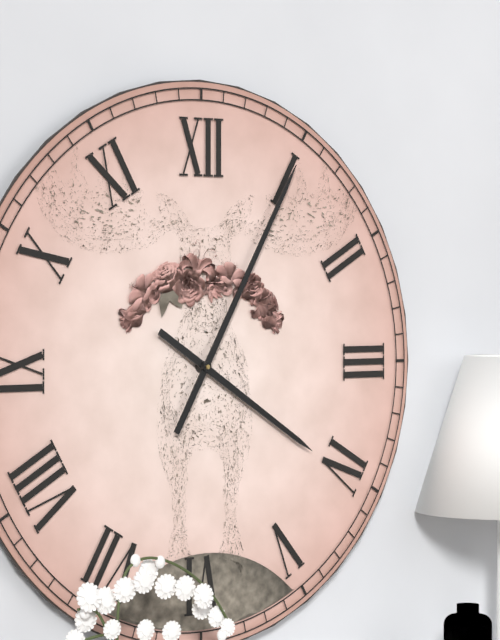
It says 4:05
